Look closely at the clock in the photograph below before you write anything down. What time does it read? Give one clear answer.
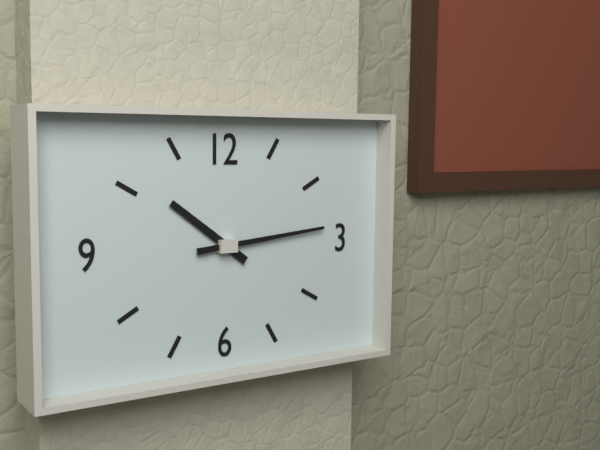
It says 10:14
